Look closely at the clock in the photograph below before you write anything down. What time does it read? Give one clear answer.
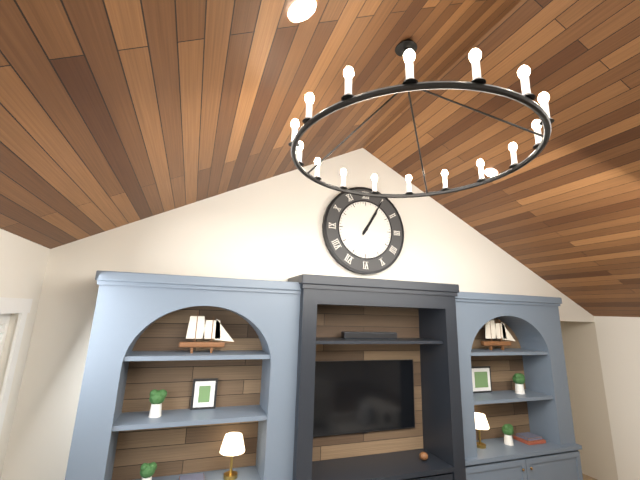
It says 1:05
